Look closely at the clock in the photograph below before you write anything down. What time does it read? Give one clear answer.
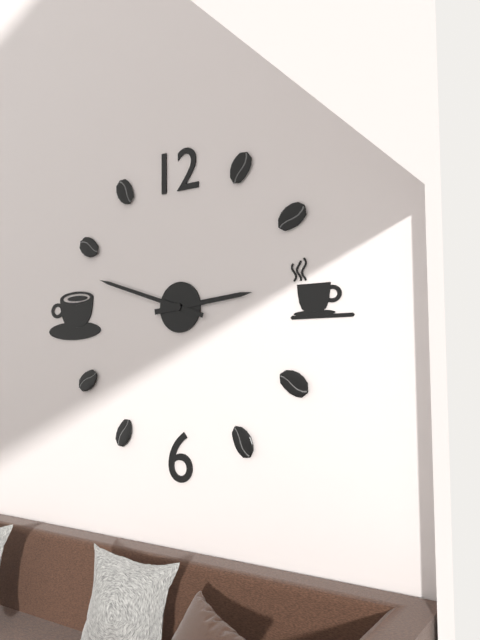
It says 2:48
